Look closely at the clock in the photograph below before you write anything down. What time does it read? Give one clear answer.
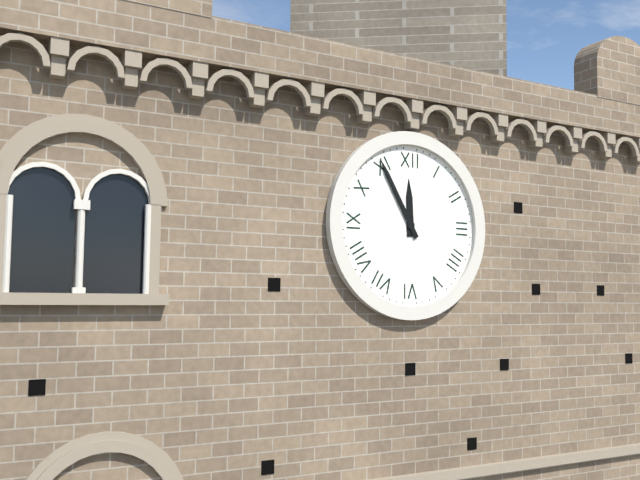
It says 11:55
